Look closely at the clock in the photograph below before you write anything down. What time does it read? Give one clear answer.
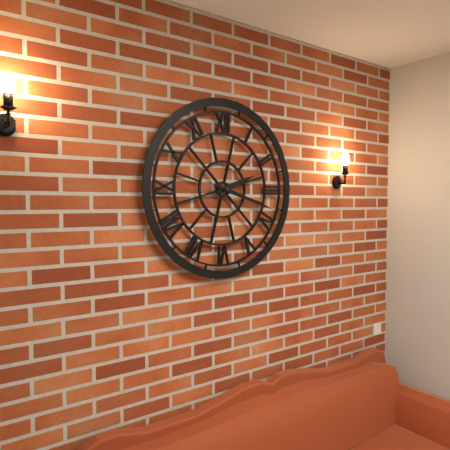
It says 2:18
